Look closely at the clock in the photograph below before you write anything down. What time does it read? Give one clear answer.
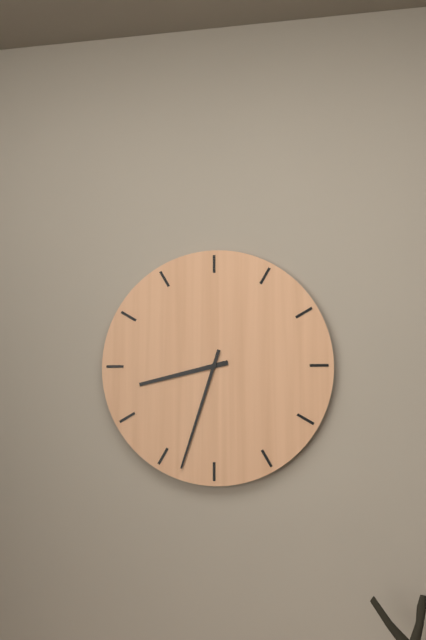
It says 8:33
